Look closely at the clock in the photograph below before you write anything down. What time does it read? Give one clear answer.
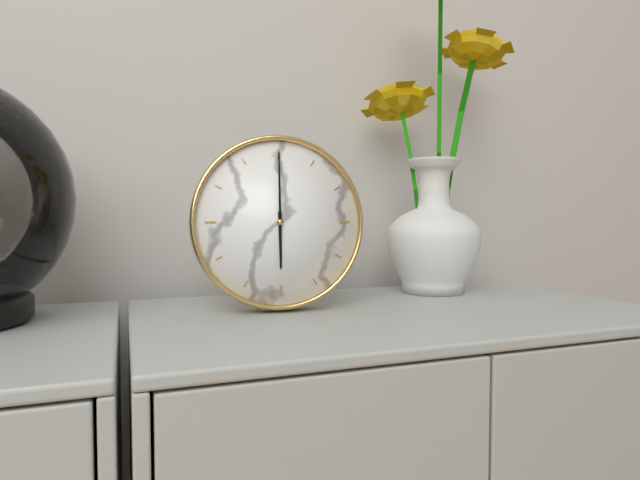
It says 6:00
